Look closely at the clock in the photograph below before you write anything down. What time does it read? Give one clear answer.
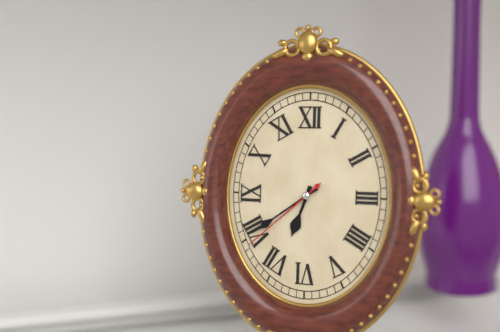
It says 6:39:38
